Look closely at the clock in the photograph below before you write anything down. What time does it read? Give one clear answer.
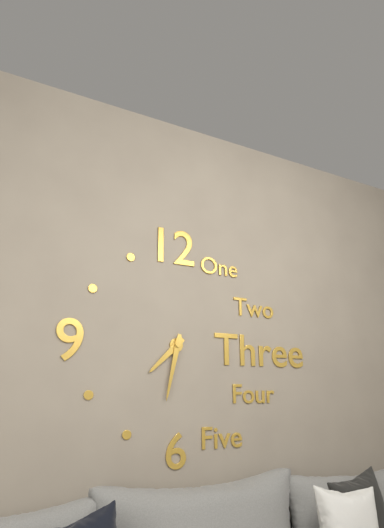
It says 7:32
